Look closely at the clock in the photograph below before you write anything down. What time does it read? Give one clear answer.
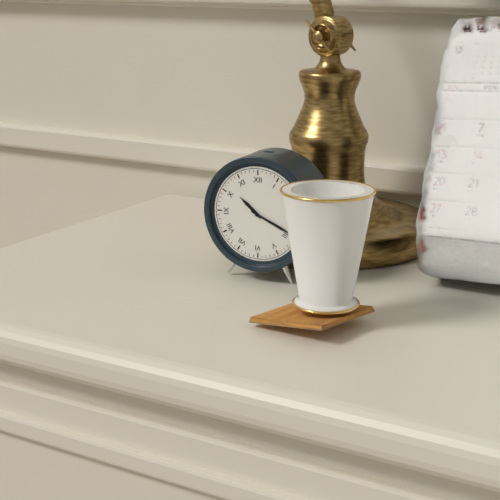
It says 10:19
